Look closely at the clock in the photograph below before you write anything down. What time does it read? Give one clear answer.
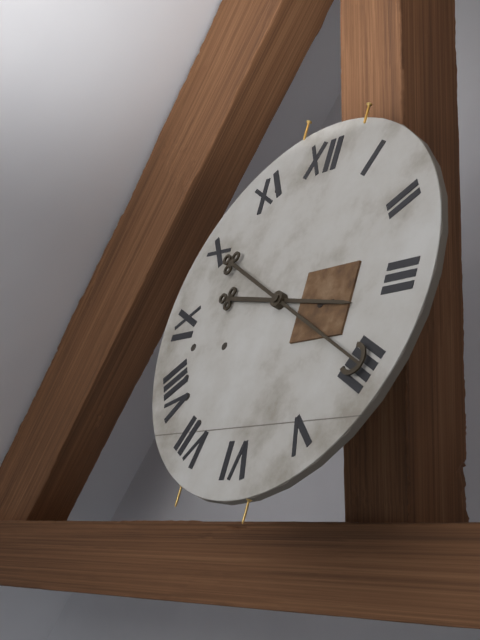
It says 3:20
